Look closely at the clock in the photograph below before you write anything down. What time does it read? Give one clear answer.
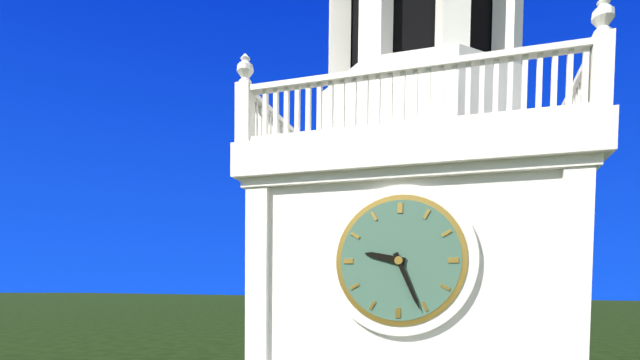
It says 9:26
